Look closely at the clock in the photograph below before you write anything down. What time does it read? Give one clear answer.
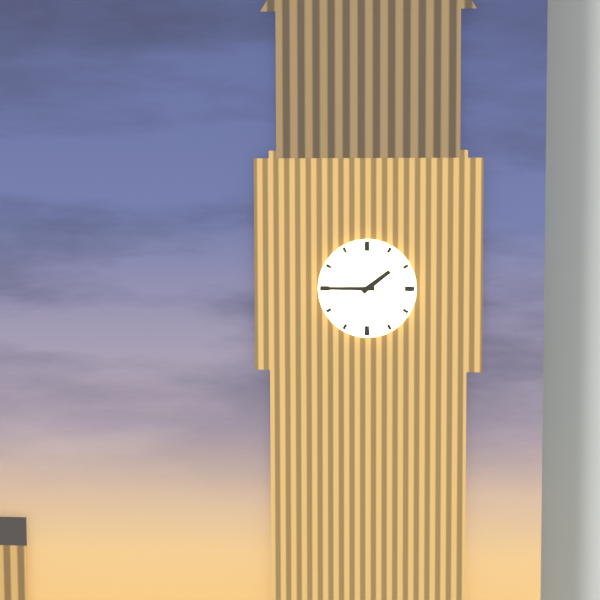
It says 1:45
